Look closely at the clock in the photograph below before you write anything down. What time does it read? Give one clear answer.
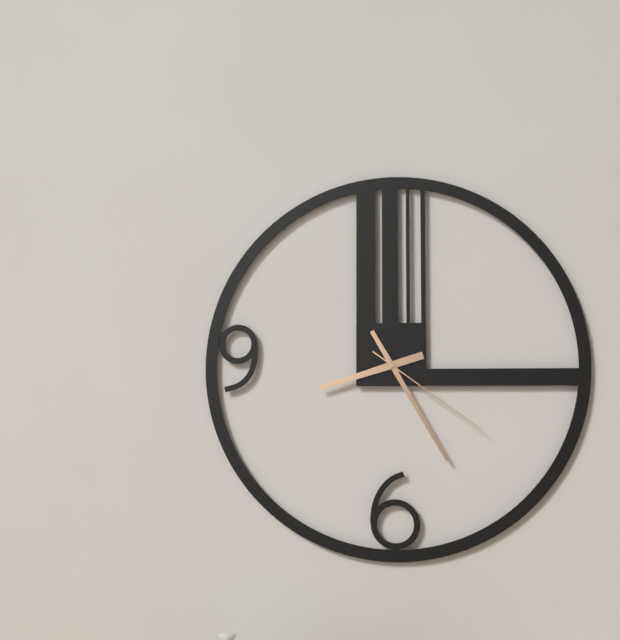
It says 8:25:21
